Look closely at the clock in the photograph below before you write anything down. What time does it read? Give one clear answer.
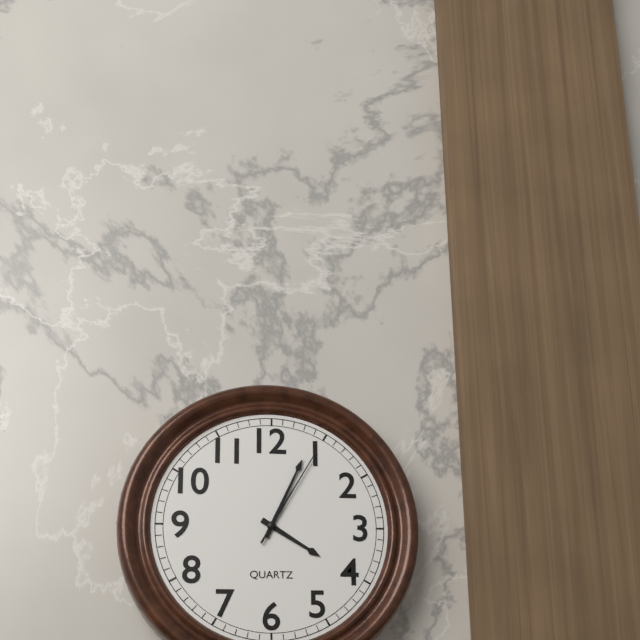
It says 4:04:05
